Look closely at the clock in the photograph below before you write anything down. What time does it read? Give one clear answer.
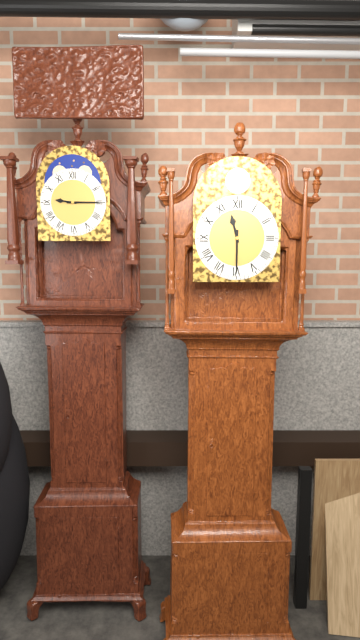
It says 11:30
